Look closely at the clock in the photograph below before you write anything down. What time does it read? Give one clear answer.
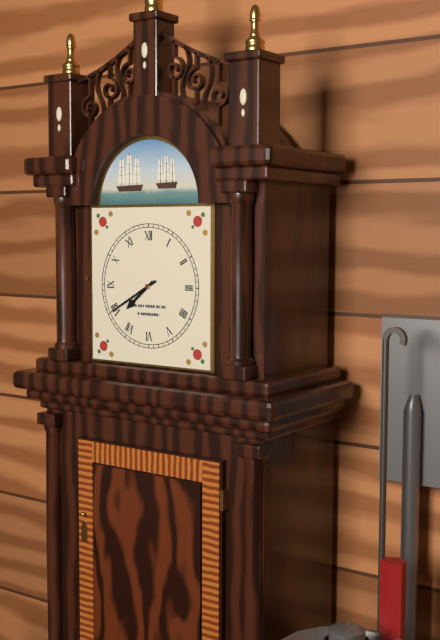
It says 7:40
